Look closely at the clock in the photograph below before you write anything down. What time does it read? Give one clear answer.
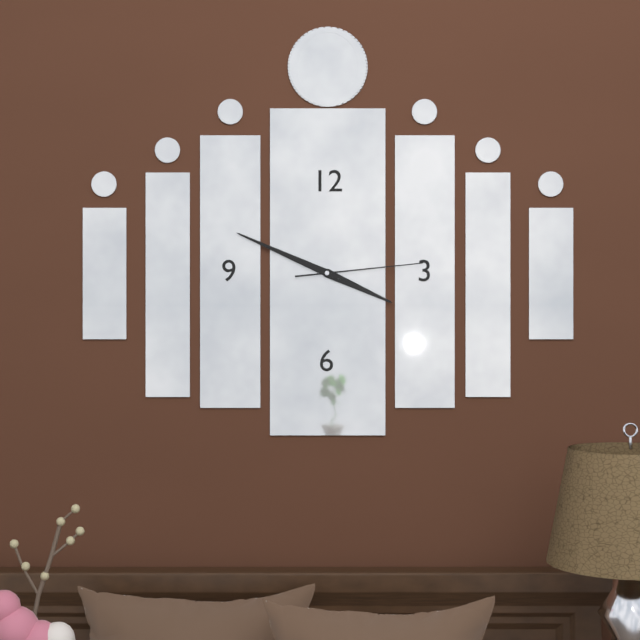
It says 3:49:14
